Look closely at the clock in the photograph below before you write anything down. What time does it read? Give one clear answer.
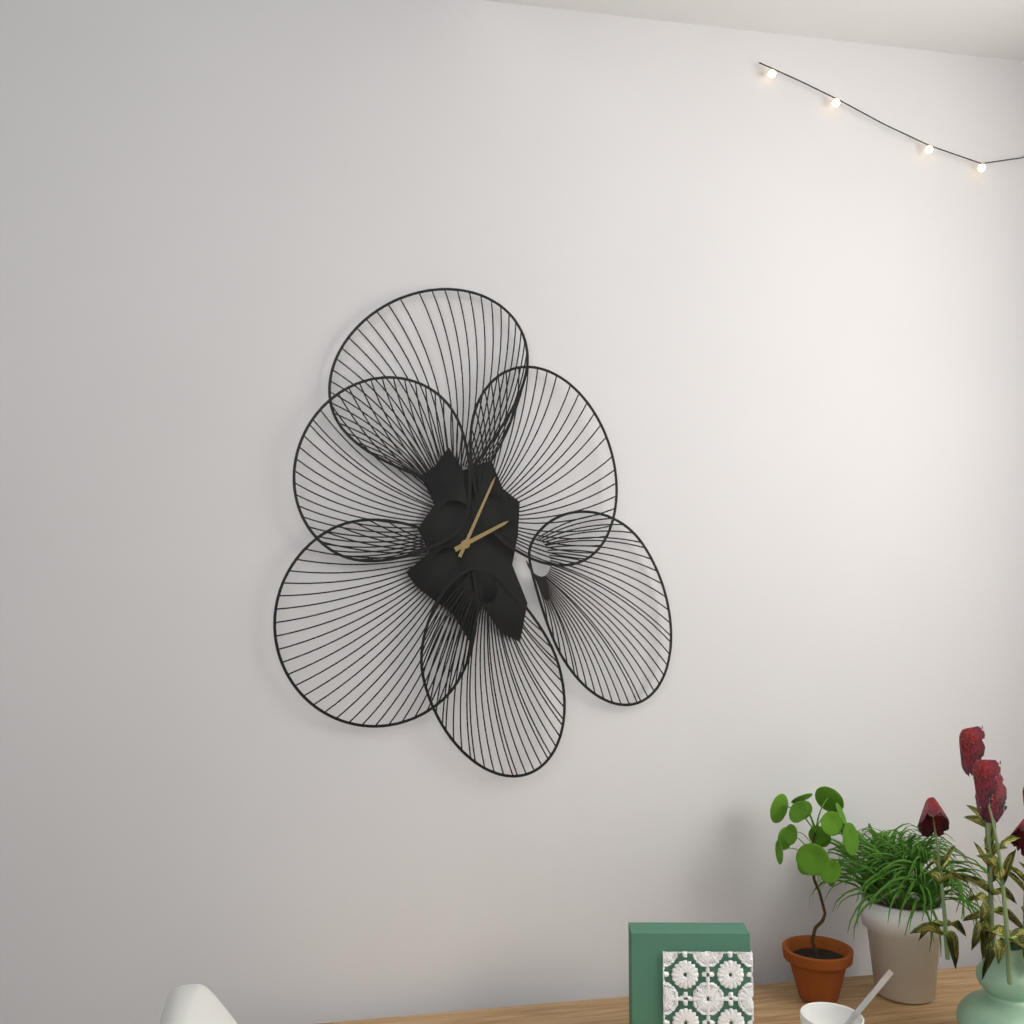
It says 2:04
